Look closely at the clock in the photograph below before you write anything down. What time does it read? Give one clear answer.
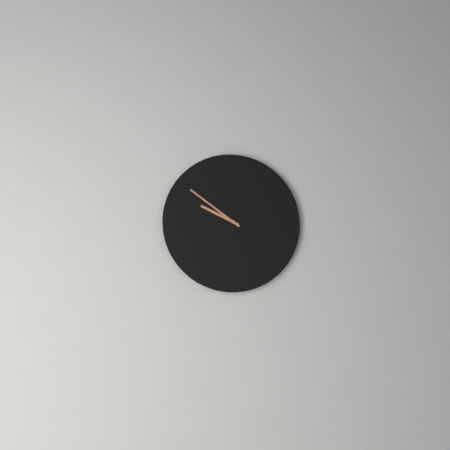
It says 9:51
